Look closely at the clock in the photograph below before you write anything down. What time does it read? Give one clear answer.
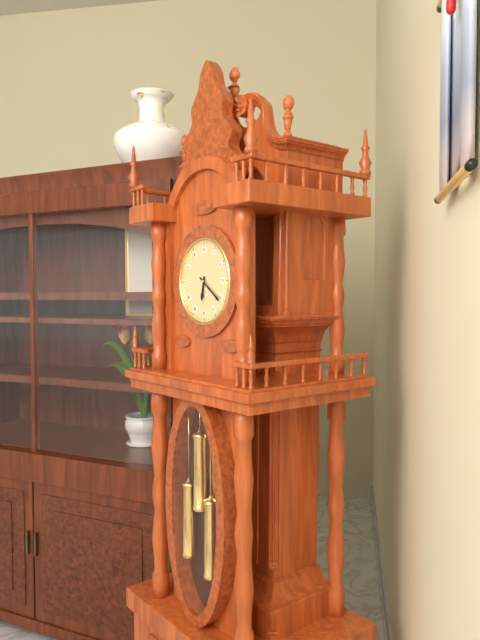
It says 6:21
